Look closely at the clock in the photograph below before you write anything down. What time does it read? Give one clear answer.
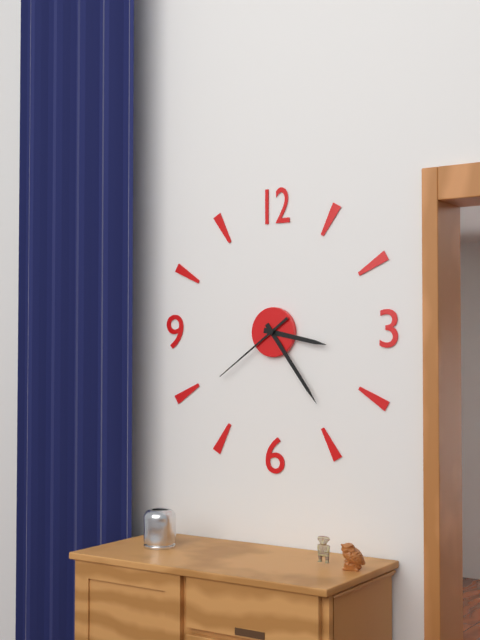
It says 3:24:39
